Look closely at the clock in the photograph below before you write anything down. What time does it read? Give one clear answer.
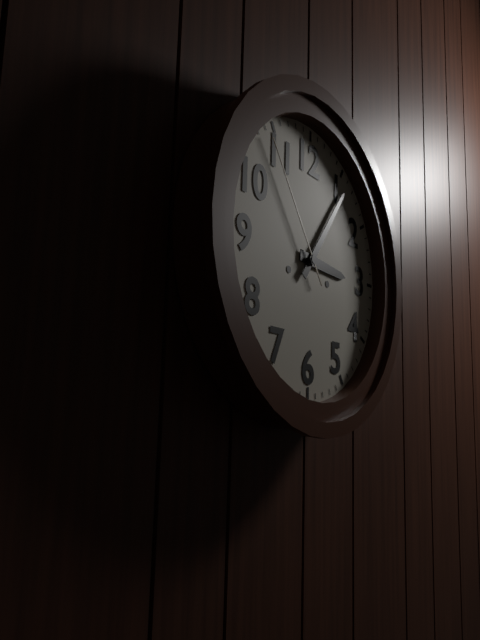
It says 3:06:54
